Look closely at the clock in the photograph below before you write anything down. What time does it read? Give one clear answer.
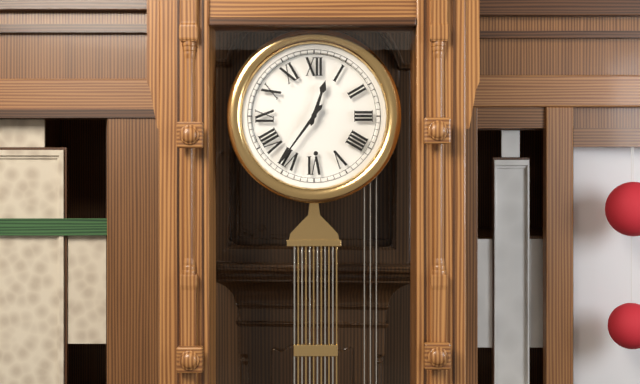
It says 12:36
